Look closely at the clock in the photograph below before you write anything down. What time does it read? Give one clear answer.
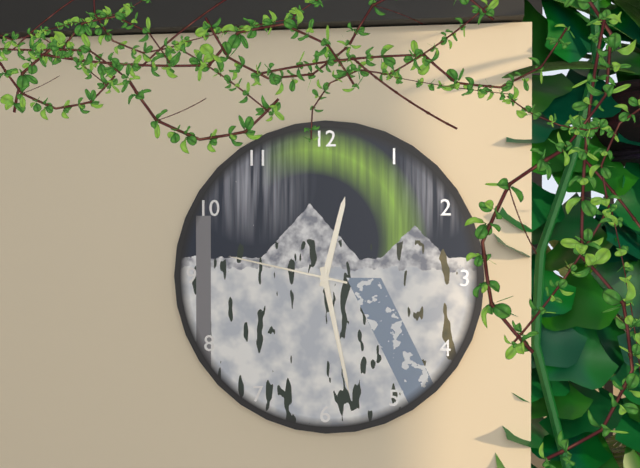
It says 12:28:47
